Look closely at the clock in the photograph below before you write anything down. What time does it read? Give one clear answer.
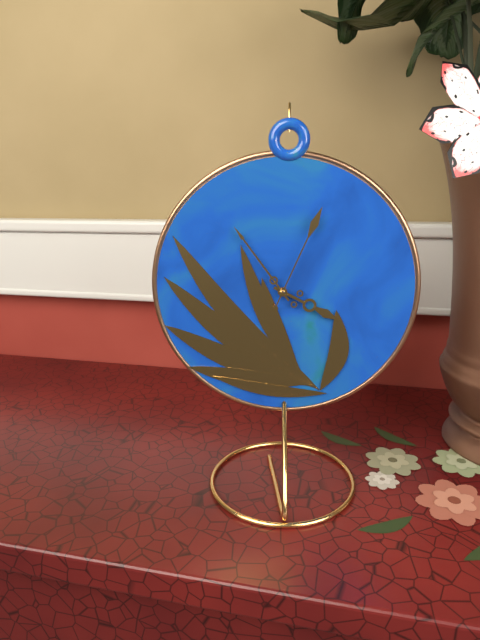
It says 3:54:04
